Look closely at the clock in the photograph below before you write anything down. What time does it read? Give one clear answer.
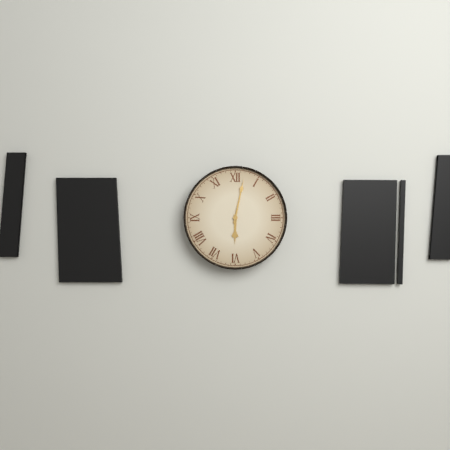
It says 6:02
